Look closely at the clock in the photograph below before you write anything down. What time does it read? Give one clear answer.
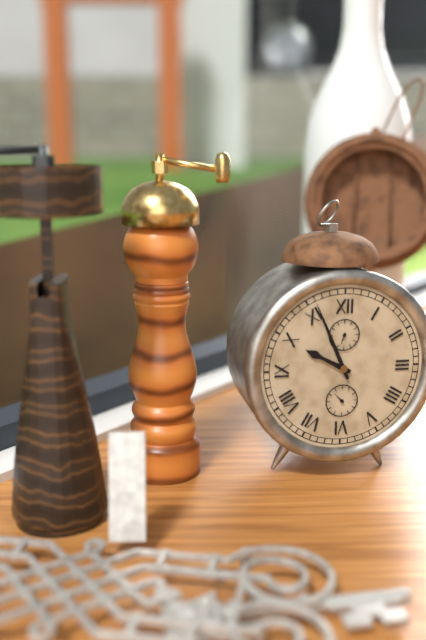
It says 9:56
